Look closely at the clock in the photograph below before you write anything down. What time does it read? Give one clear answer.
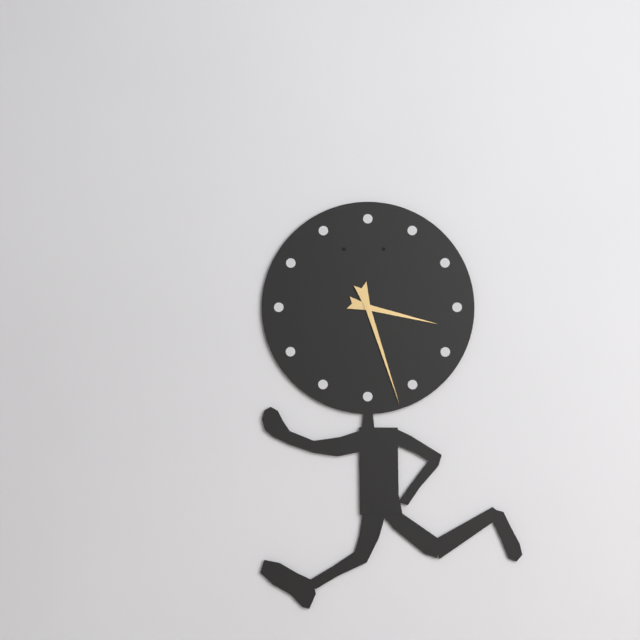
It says 3:27
